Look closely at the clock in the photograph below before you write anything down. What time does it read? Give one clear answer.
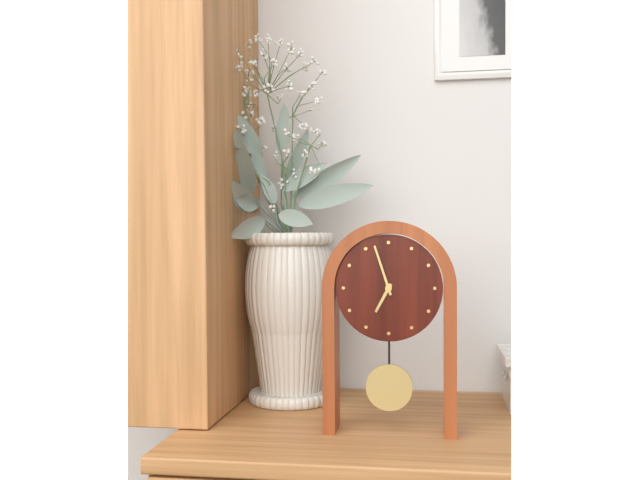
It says 6:57
